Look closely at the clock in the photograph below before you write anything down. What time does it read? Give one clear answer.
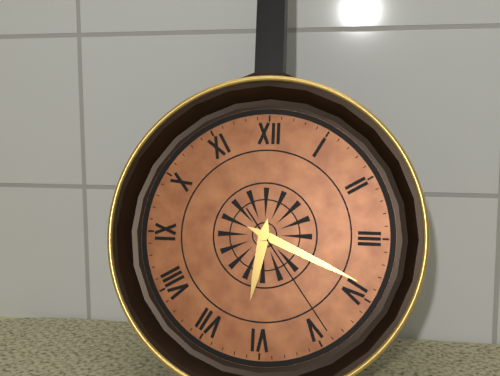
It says 6:19:24
